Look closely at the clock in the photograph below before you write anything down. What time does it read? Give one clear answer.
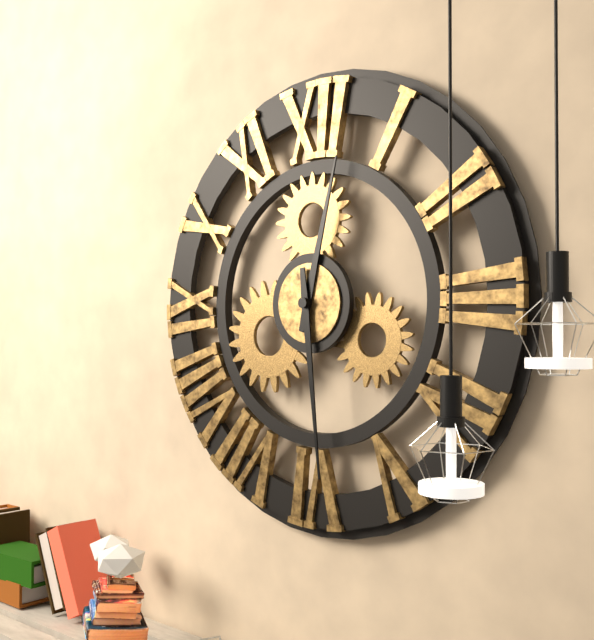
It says 12:29
